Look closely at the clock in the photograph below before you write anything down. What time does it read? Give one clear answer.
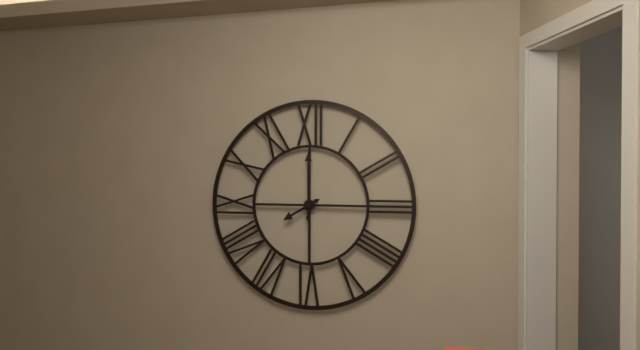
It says 8:00
